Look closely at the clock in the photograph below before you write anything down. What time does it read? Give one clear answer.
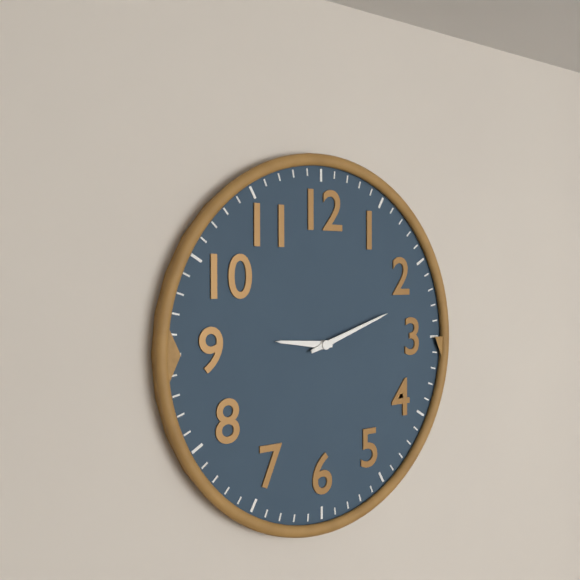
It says 9:12
